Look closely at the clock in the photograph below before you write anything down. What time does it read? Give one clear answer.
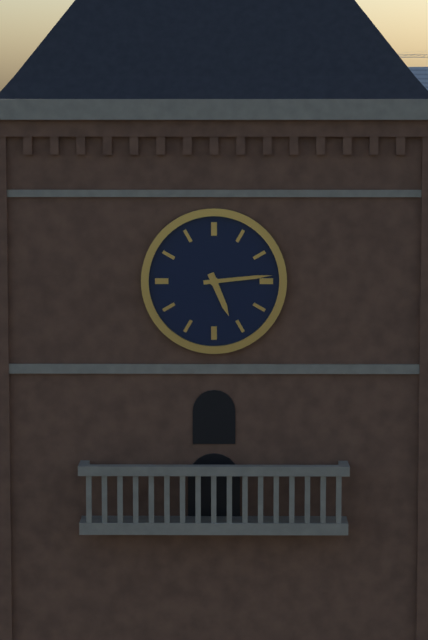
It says 5:14
